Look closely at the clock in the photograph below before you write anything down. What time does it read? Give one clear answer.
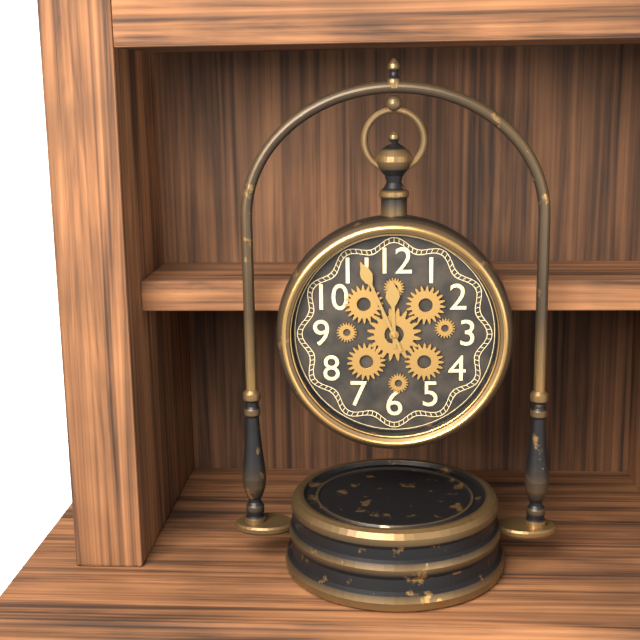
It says 11:56
